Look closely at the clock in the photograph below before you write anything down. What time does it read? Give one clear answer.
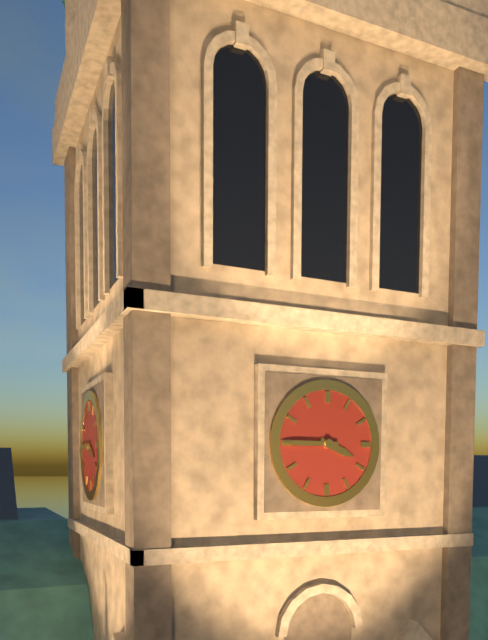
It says 3:45
